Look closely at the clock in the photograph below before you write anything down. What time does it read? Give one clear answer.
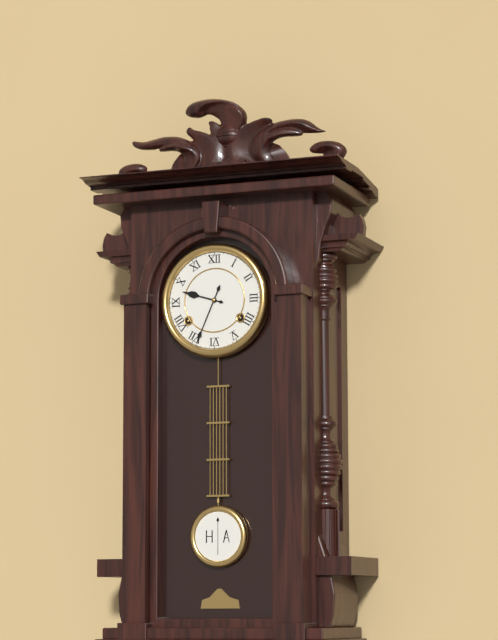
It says 9:34
